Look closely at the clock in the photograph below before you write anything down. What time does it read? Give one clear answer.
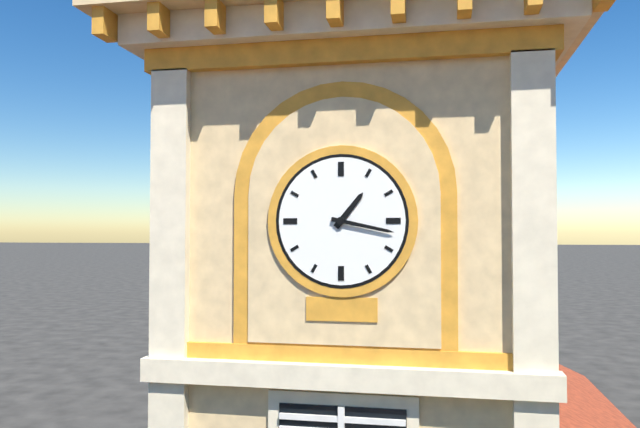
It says 1:17
